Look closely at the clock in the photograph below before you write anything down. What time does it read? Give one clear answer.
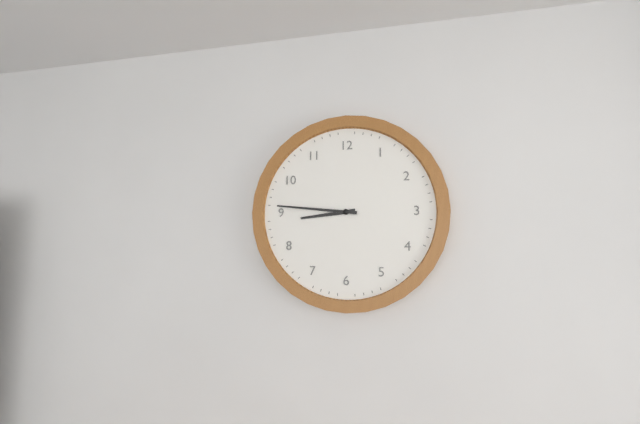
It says 8:46
